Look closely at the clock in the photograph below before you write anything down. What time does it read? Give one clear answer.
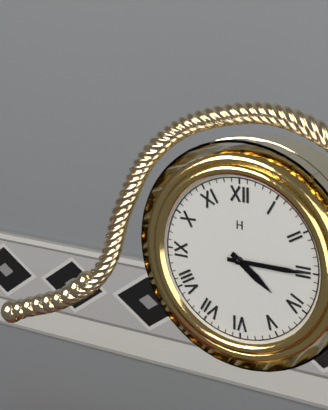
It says 4:15
